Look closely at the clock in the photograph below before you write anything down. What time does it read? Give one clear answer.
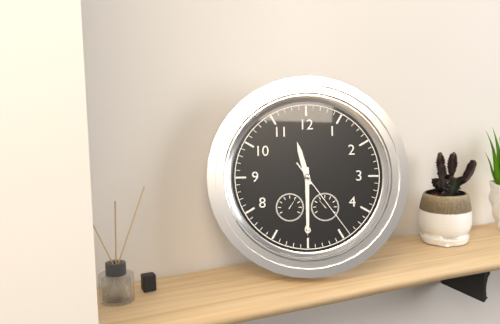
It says 11:30:24
